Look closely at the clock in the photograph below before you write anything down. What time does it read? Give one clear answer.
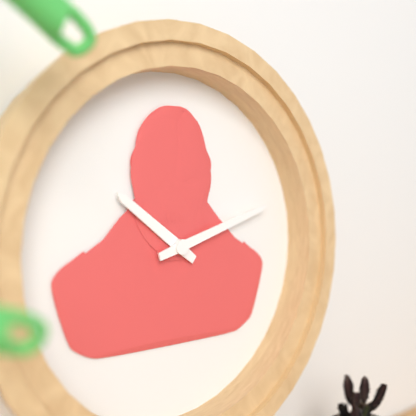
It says 10:12
